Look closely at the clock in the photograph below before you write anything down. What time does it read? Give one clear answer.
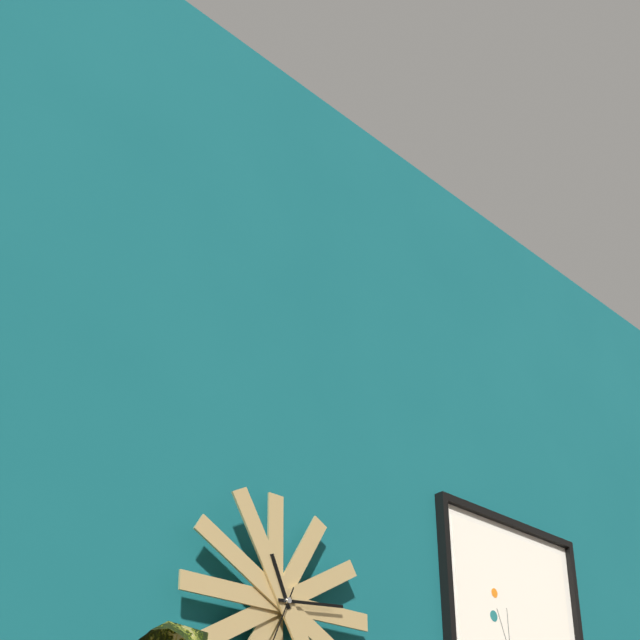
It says 11:14
